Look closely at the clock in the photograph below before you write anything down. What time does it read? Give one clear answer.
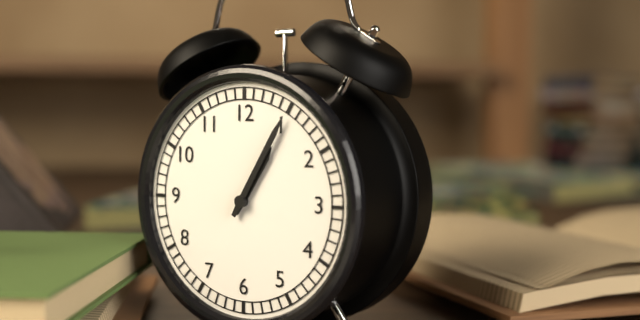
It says 1:05
